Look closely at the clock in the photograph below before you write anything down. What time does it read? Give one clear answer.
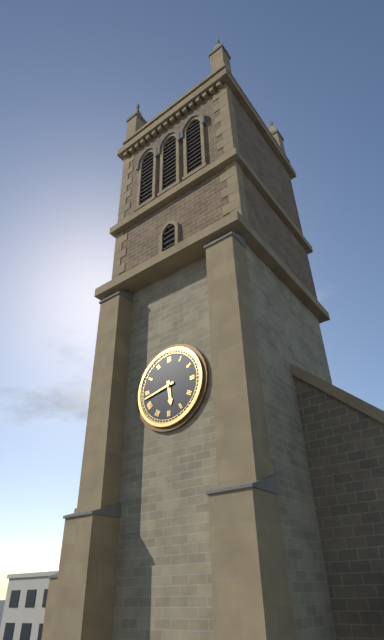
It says 5:43
